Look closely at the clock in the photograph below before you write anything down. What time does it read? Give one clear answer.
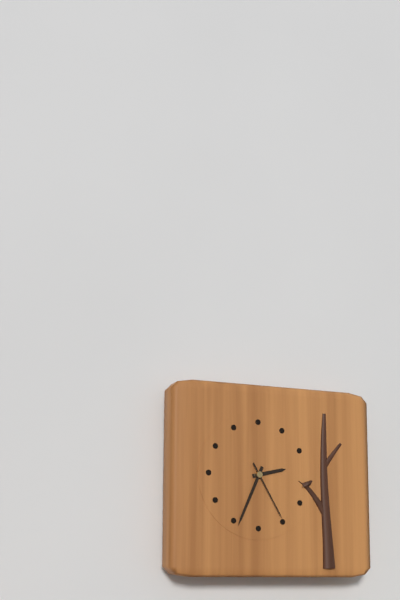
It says 2:34:25
